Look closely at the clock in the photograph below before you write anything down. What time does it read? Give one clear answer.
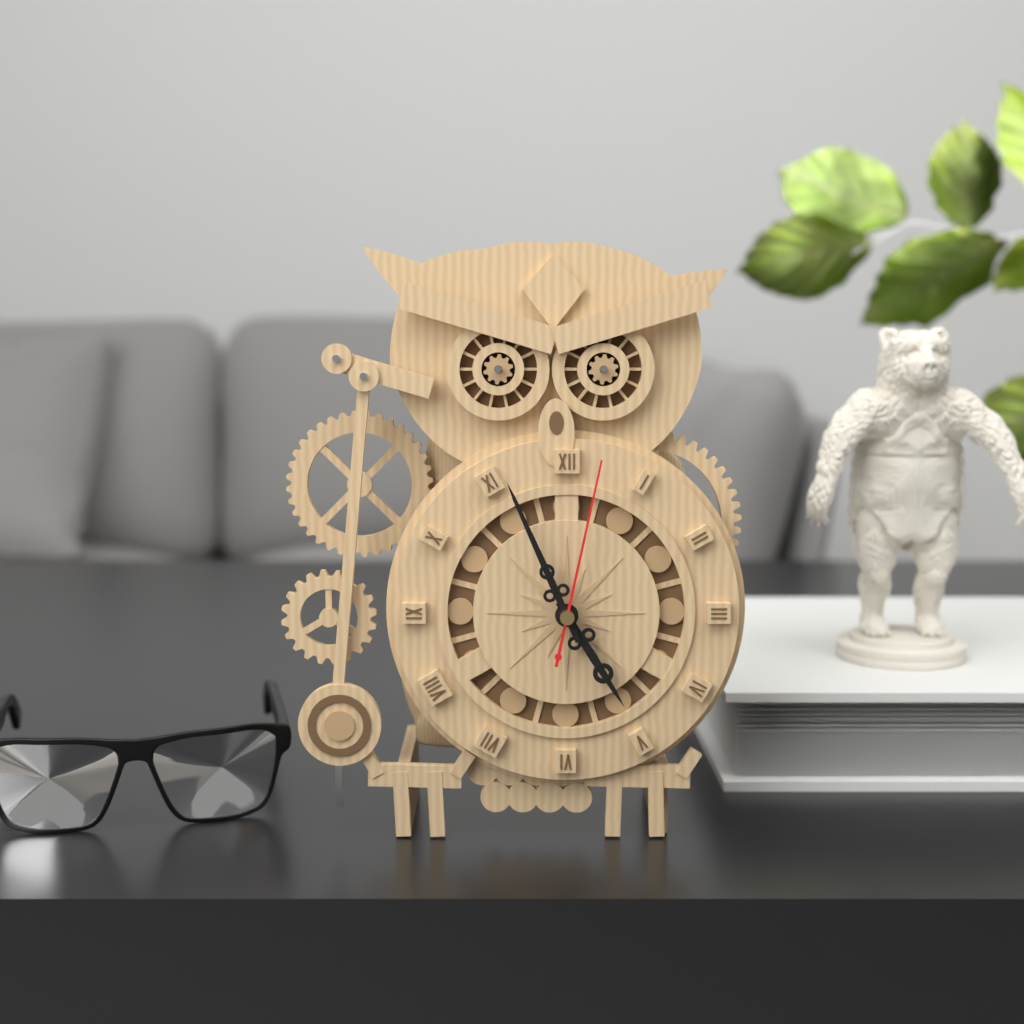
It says 4:56:02
